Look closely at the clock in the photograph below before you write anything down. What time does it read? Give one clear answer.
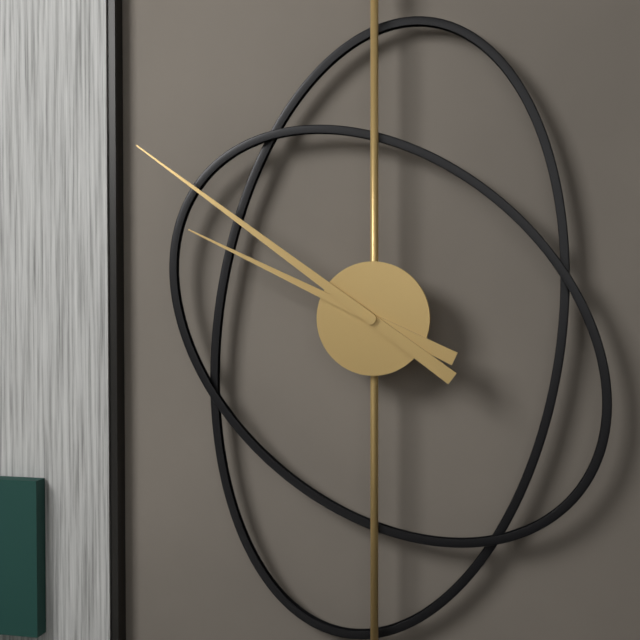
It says 9:51
